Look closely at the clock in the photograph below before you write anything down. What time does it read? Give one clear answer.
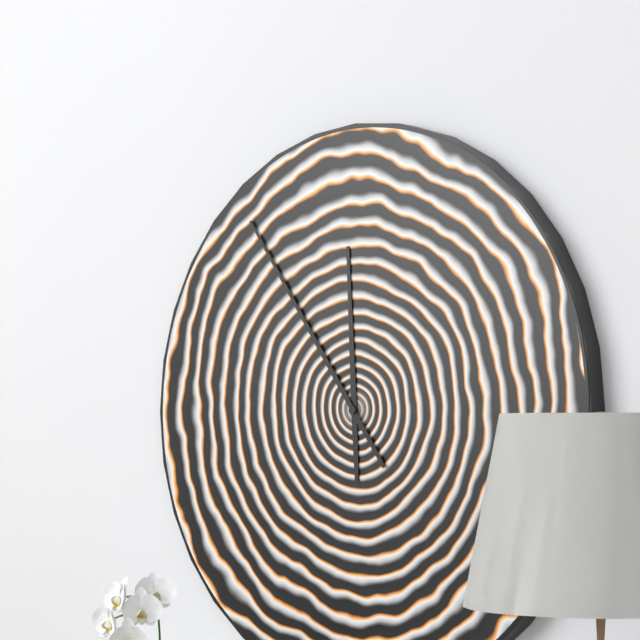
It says 11:54
